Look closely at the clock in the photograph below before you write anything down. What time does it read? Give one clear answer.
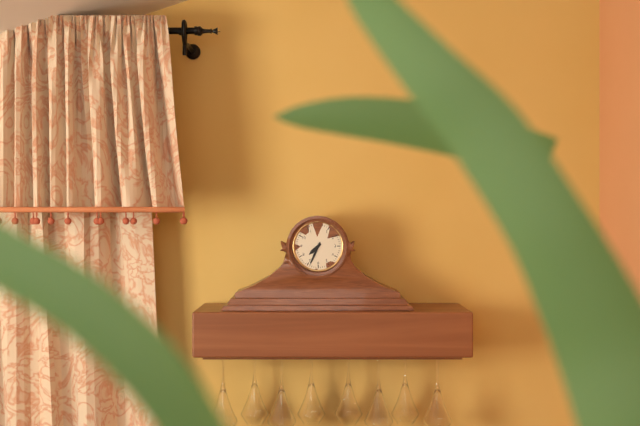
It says 7:34
